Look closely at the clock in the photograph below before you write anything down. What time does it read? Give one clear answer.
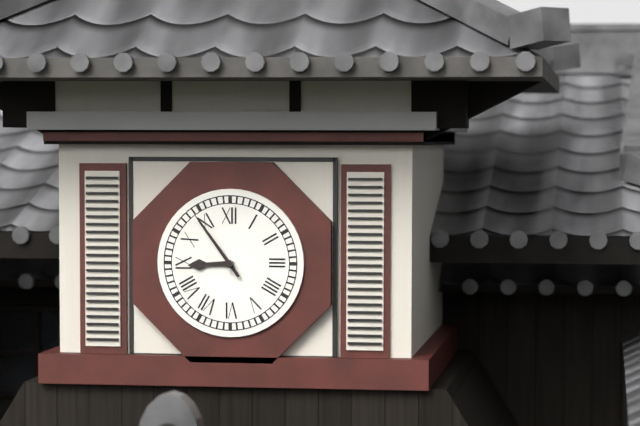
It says 8:54
